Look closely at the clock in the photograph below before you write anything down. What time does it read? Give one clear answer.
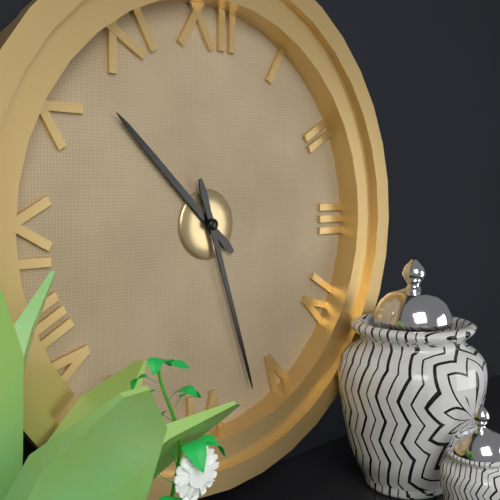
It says 10:27
